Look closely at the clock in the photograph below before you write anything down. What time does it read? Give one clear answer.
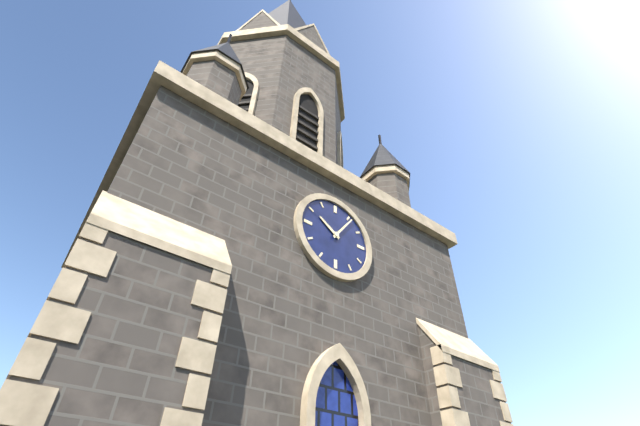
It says 10:06
